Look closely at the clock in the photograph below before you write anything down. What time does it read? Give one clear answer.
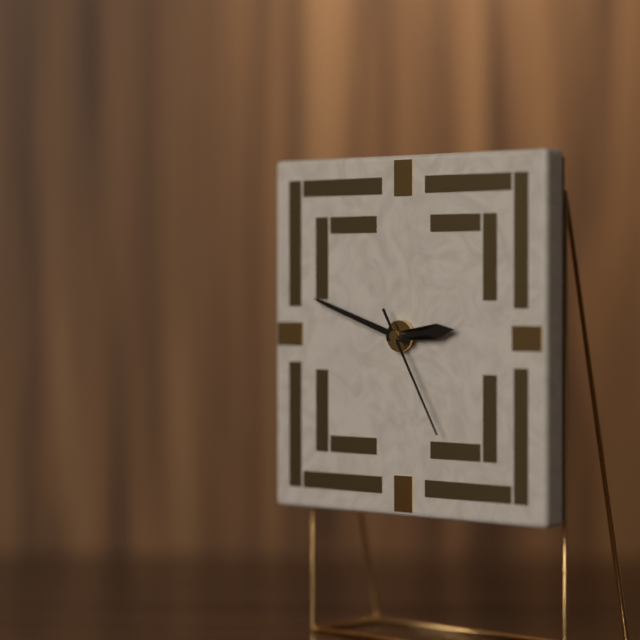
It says 2:48:25
